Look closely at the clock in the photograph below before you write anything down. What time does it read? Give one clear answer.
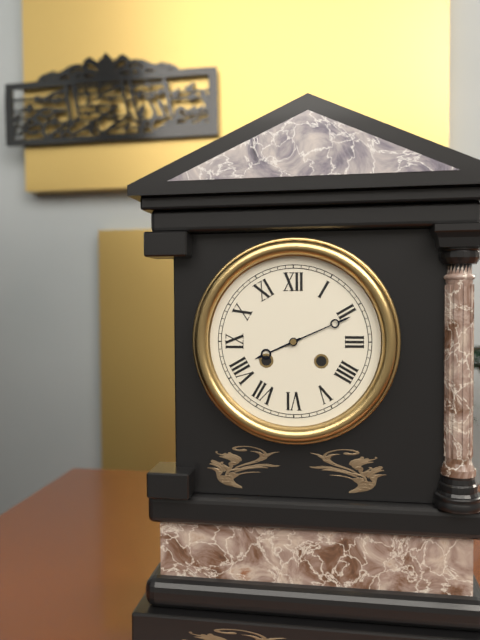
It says 8:11
